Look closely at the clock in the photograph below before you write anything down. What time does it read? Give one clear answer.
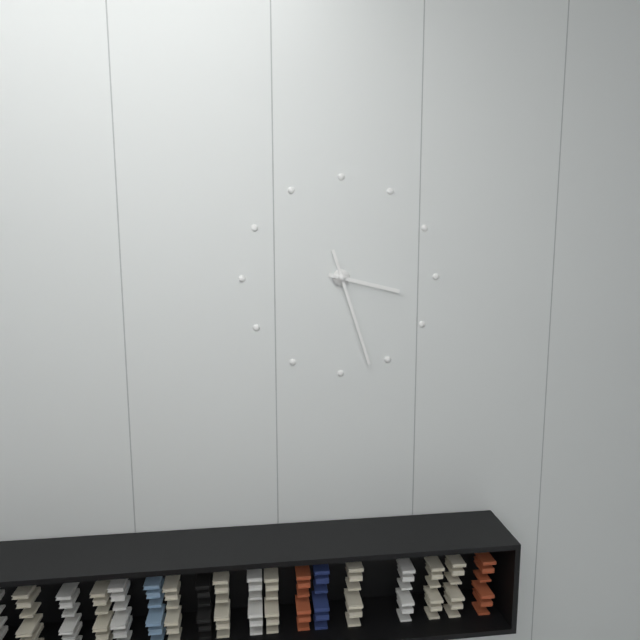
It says 3:27
